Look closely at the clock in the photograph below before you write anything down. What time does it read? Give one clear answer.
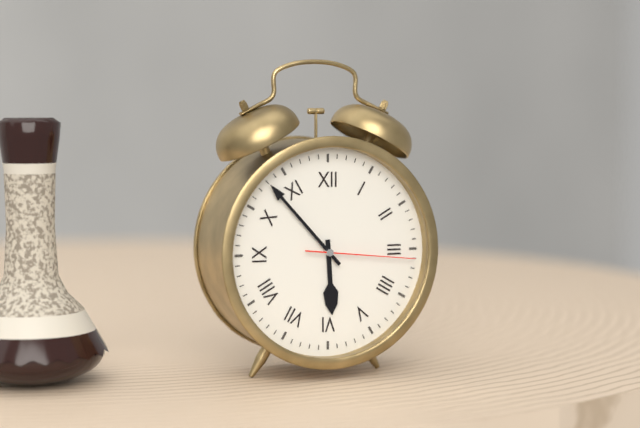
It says 5:53:16
